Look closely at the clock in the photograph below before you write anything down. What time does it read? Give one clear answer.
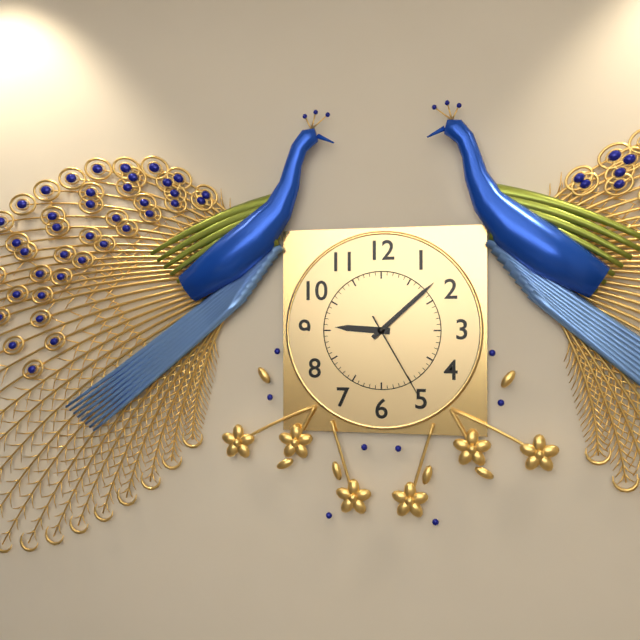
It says 9:08:25
